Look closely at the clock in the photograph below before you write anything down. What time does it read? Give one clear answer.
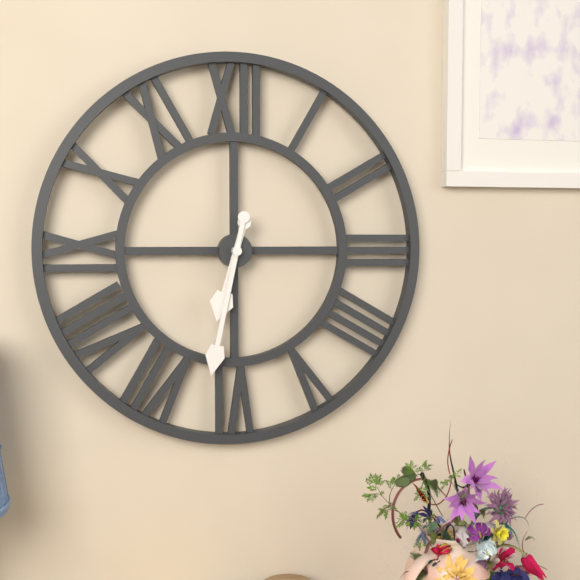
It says 6:32
